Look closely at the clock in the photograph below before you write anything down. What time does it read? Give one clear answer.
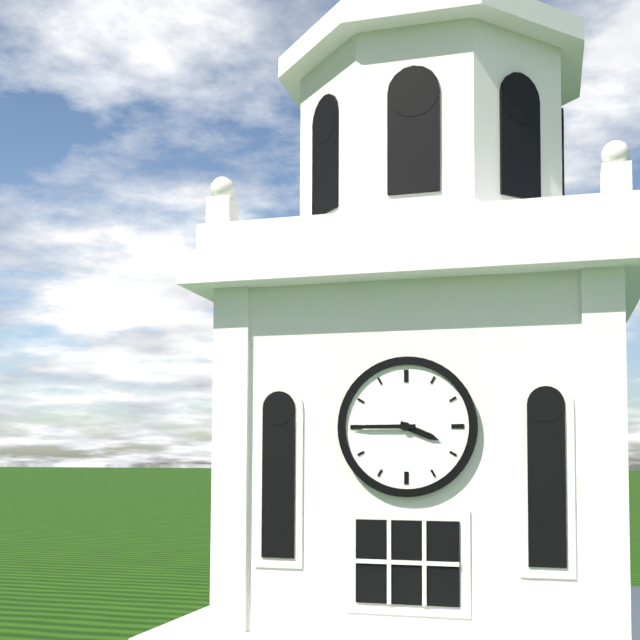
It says 3:45
